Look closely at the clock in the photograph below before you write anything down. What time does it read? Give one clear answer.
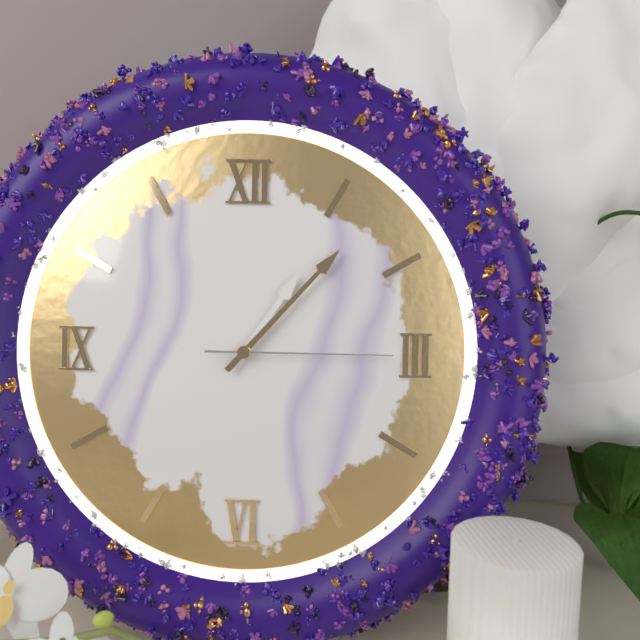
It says 1:07:15
